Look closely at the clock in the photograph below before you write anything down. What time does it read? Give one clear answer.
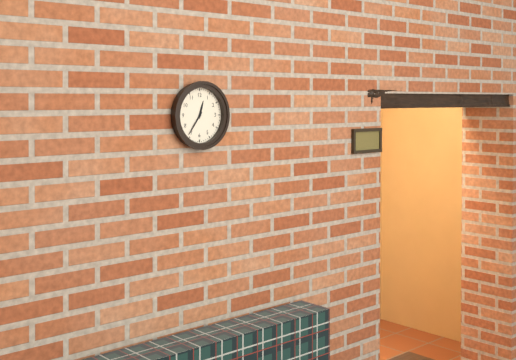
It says 12:36
